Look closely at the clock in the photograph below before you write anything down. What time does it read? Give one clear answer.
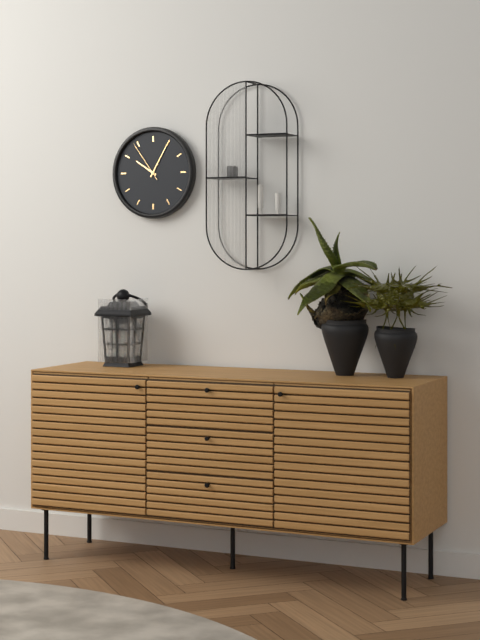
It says 10:05
